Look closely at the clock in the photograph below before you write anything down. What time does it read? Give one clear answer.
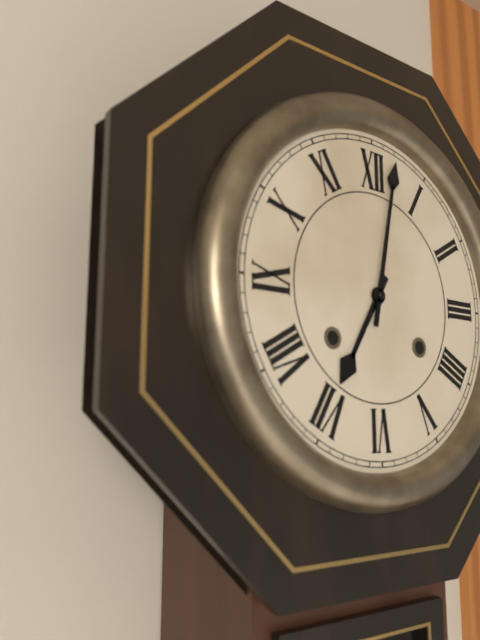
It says 7:02
